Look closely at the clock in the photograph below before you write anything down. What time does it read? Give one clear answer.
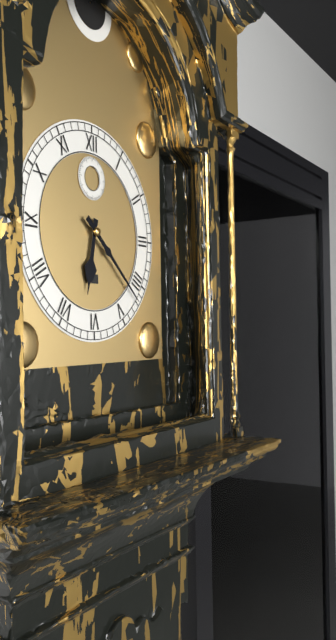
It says 6:22
